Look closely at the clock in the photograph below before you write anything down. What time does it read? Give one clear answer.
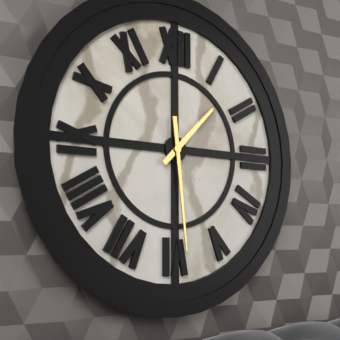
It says 1:29
